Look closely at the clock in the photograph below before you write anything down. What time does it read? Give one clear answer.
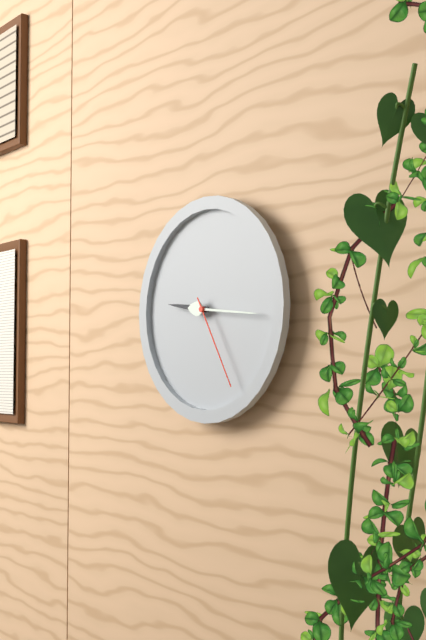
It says 9:16:25
